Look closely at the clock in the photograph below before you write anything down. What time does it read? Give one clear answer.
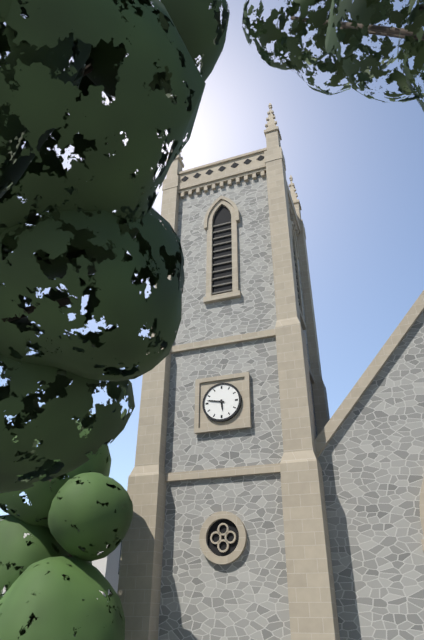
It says 5:47
